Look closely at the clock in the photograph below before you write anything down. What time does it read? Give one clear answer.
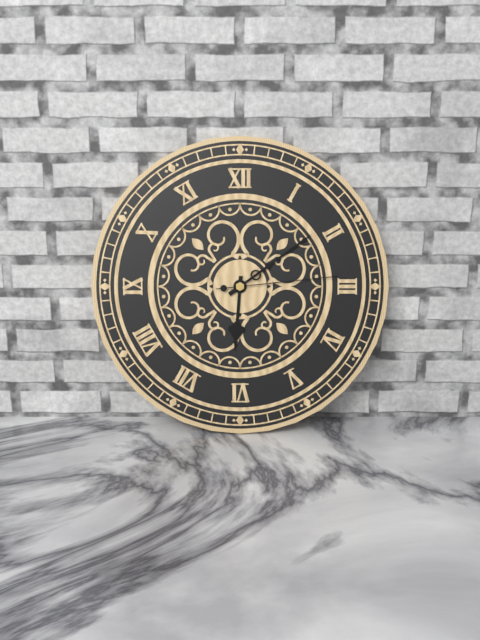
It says 6:09:14
